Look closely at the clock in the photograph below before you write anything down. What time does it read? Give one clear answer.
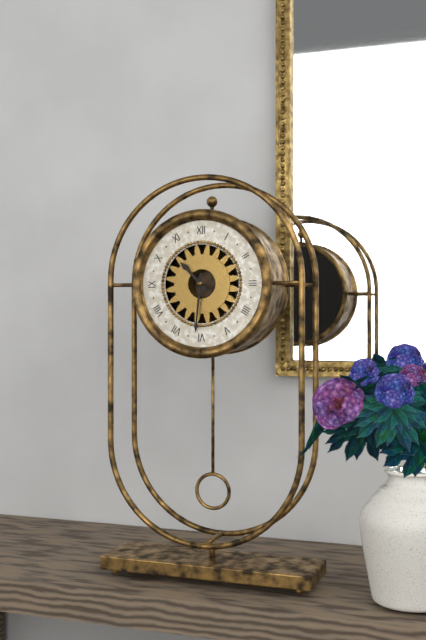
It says 10:31
